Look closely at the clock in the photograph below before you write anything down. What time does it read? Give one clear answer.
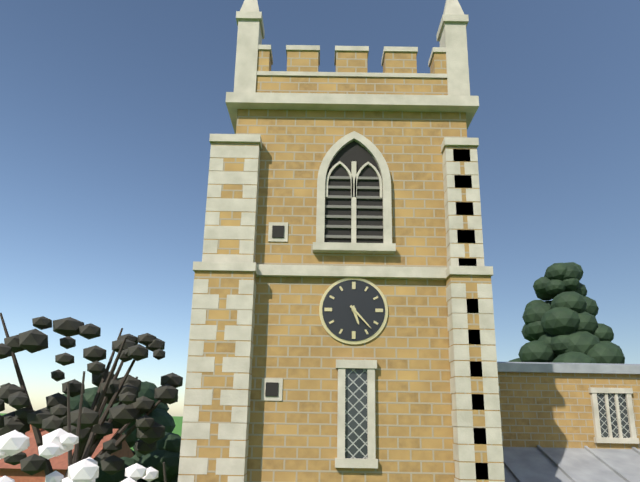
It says 5:23
